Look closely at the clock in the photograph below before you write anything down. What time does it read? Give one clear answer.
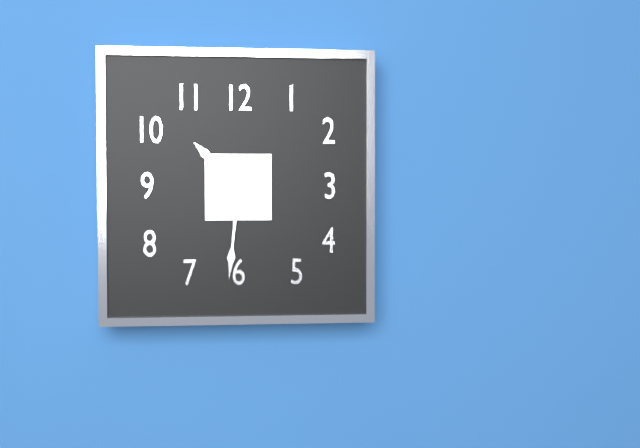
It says 10:31
